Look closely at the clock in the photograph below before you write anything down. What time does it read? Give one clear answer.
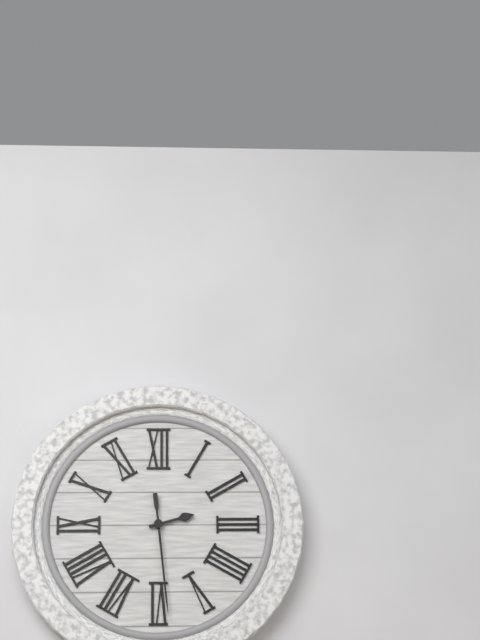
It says 2:29
